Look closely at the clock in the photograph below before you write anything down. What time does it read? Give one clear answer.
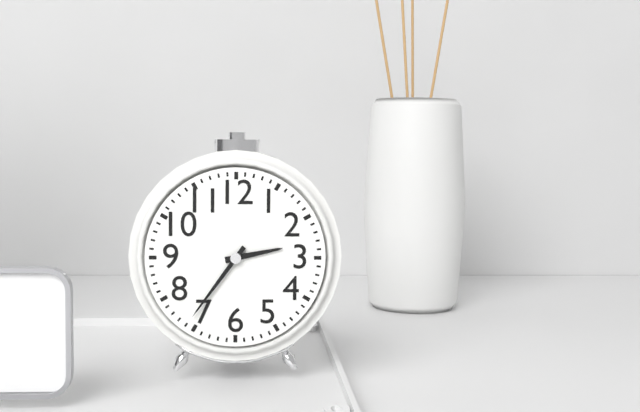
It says 2:36
